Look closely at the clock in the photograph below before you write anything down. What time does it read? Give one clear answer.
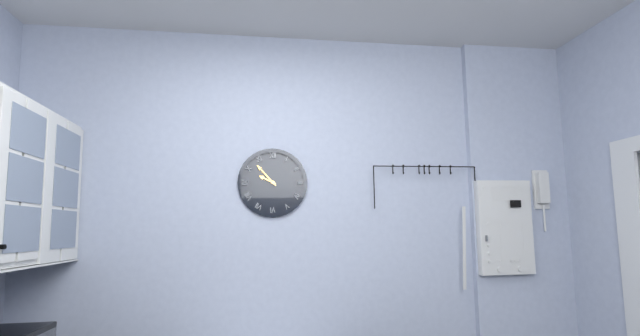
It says 9:53
